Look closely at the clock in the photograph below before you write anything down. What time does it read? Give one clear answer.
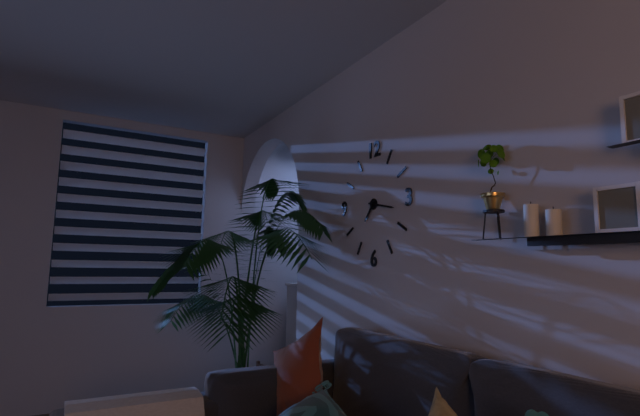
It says 7:17
